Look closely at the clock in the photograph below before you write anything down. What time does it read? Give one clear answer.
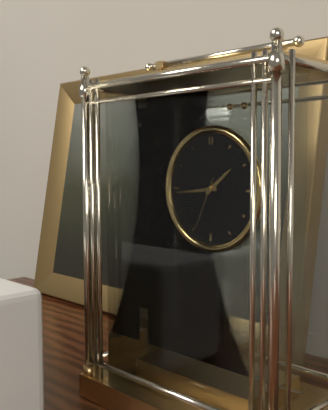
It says 1:44:34
